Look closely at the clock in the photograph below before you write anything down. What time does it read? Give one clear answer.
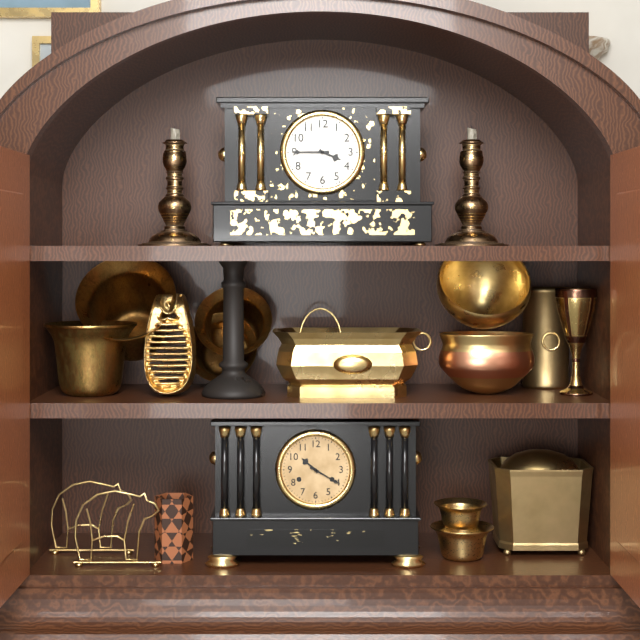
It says 3:45
